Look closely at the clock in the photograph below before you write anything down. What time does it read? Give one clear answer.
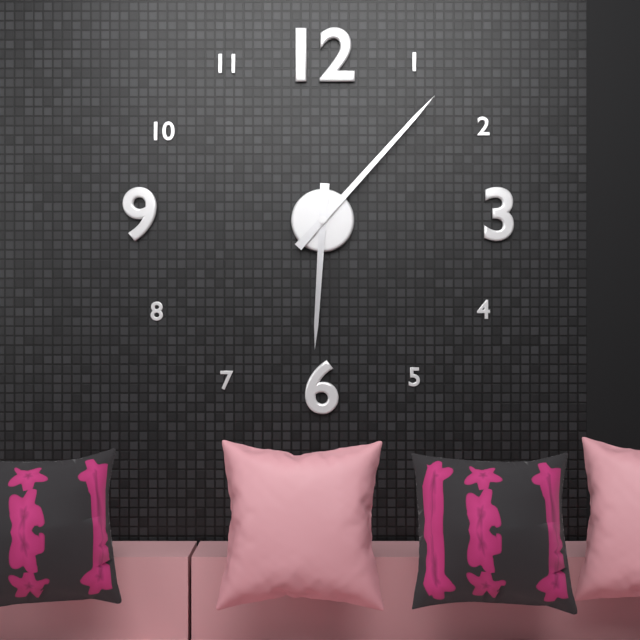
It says 6:07
